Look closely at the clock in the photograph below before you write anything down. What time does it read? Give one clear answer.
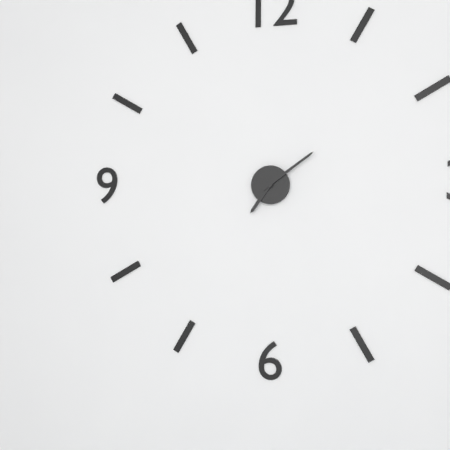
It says 7:09
